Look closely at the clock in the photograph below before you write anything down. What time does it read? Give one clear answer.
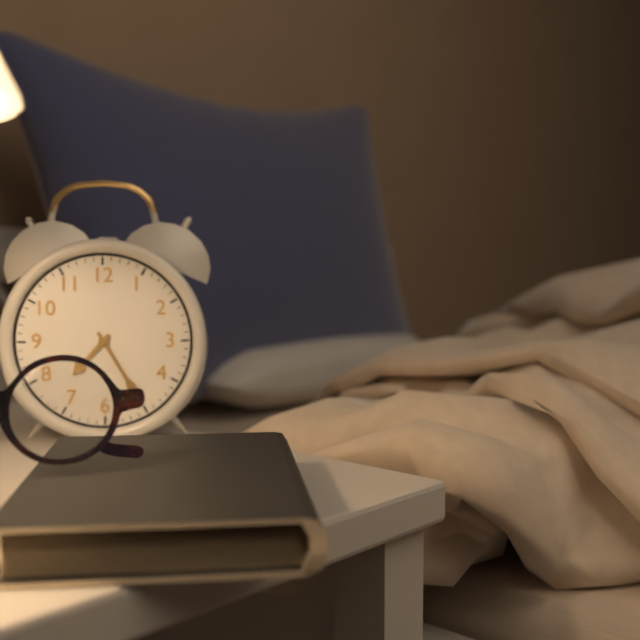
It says 7:25
